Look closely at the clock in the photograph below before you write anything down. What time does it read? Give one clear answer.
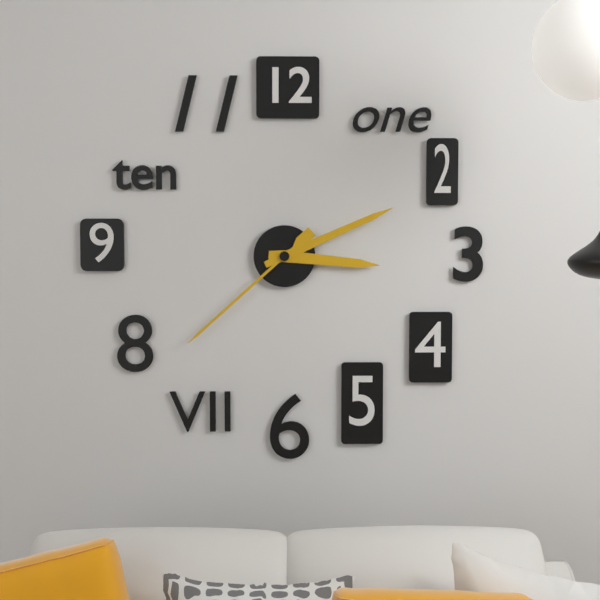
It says 3:11:38
